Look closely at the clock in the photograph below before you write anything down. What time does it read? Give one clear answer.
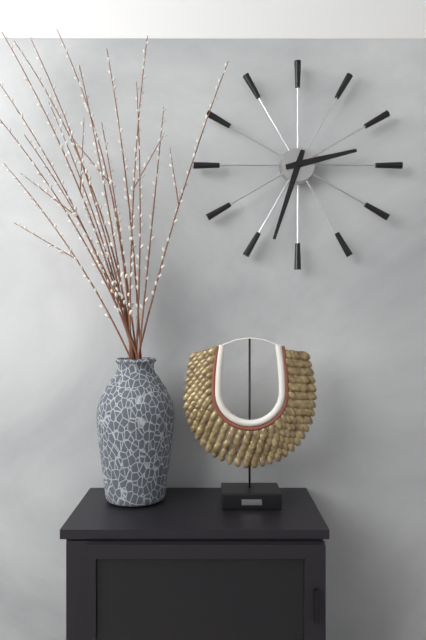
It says 2:33
